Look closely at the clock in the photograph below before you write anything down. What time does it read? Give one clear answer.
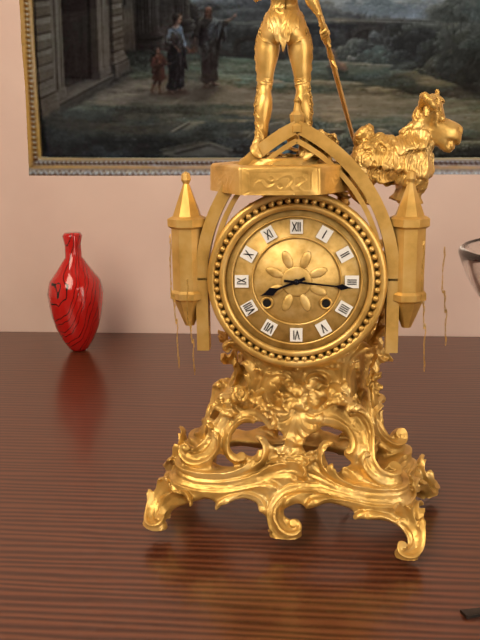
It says 8:16
